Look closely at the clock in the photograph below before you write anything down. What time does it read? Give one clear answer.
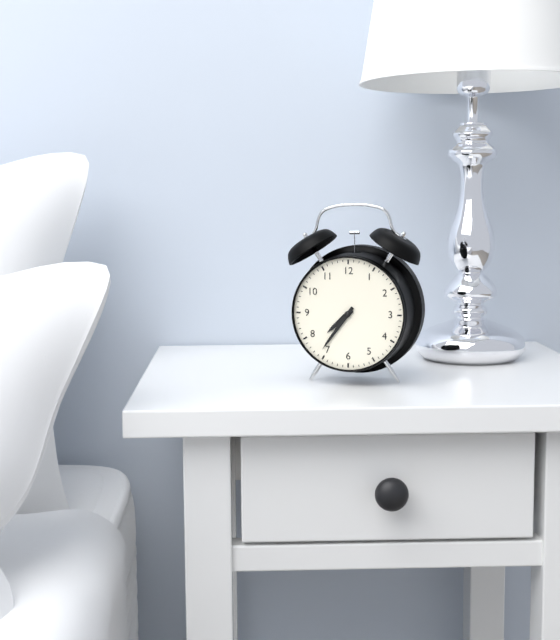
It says 7:36
